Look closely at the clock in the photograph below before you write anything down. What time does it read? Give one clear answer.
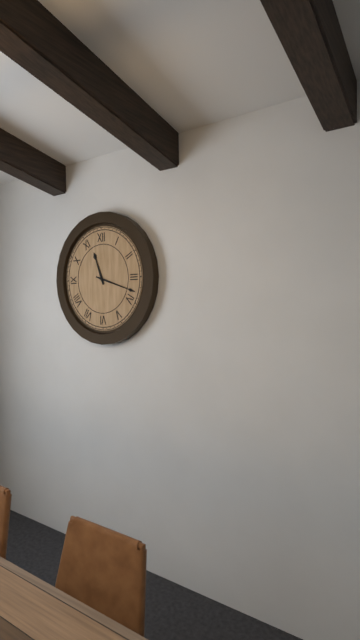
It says 11:18
